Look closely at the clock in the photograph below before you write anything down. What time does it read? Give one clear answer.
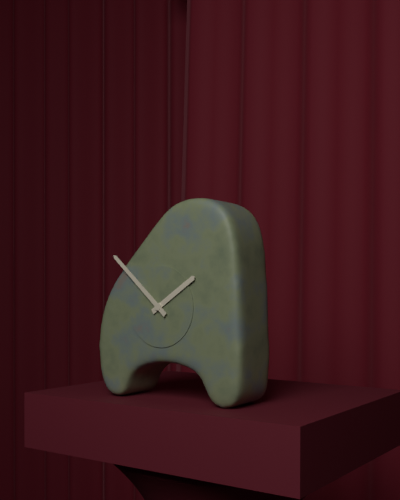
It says 1:52
